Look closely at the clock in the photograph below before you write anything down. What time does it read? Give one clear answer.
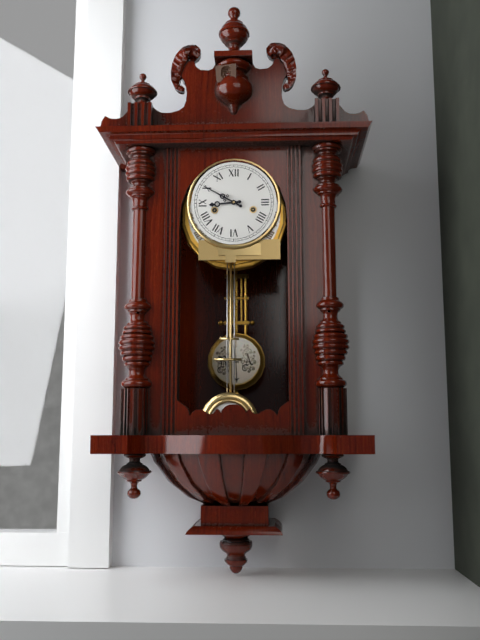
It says 8:50
